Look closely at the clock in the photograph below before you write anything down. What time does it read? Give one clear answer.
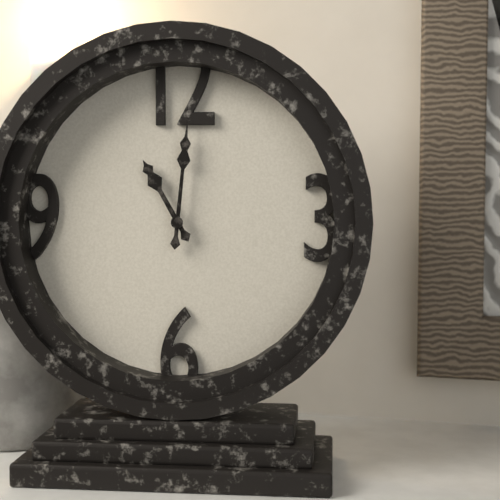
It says 11:01
